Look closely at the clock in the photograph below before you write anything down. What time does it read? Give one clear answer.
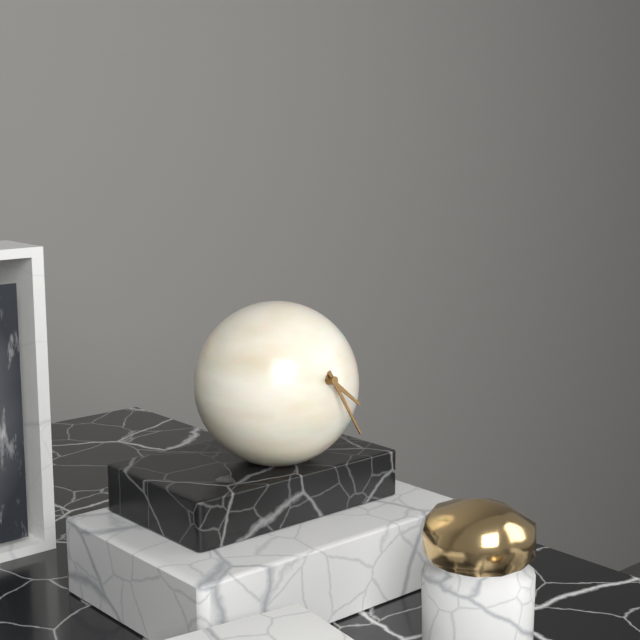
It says 4:26
